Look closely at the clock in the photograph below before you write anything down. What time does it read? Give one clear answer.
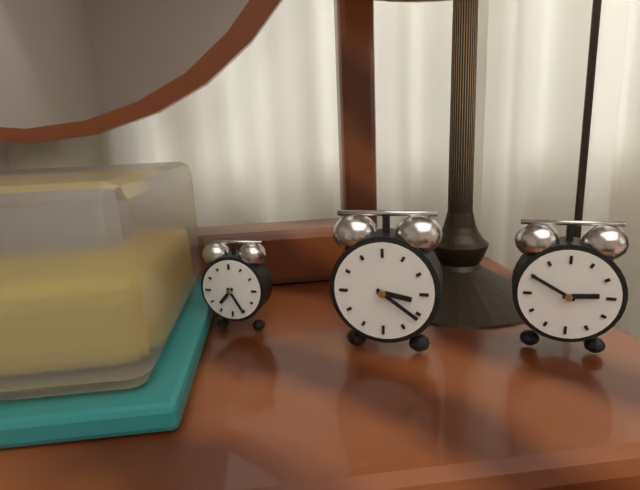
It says 3:21
